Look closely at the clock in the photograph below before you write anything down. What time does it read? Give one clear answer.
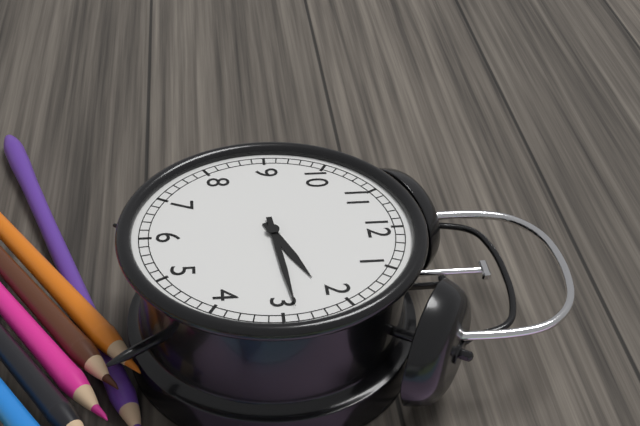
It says 2:14
